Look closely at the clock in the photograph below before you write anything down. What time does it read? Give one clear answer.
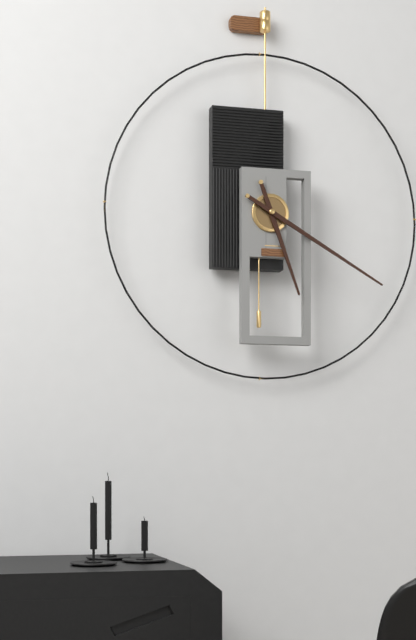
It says 5:20
